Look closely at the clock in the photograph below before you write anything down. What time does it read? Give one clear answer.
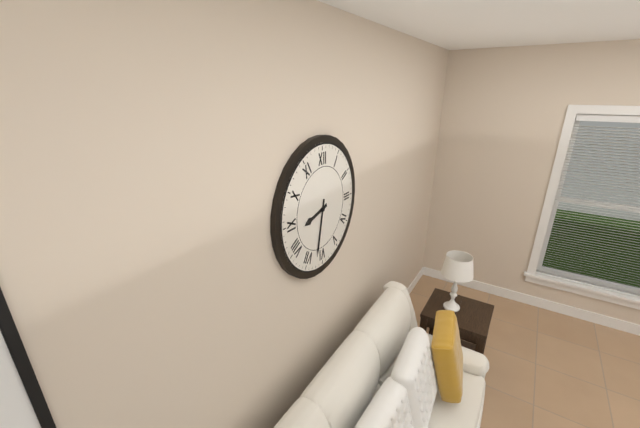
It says 8:32
